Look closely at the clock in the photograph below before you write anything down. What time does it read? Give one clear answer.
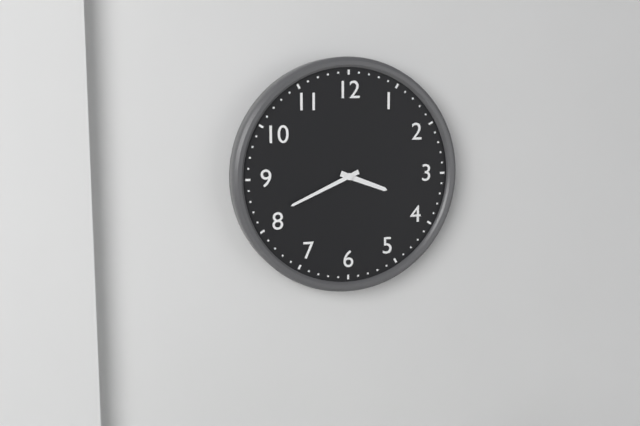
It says 3:41
